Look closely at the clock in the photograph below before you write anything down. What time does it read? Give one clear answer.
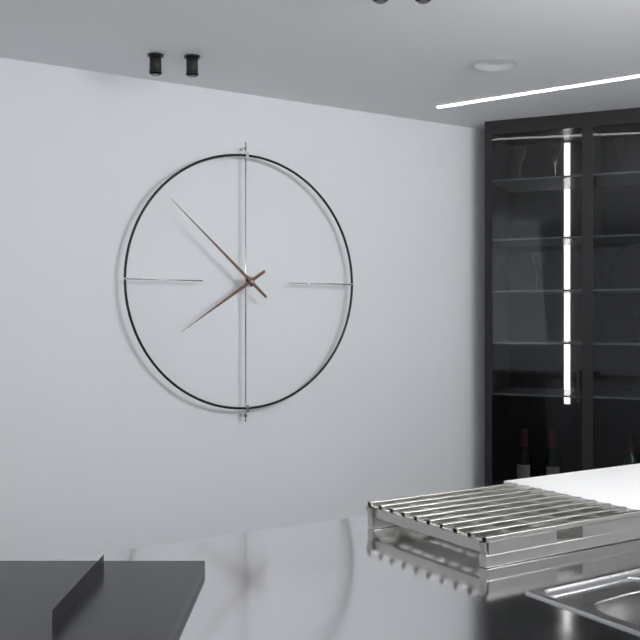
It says 7:52
